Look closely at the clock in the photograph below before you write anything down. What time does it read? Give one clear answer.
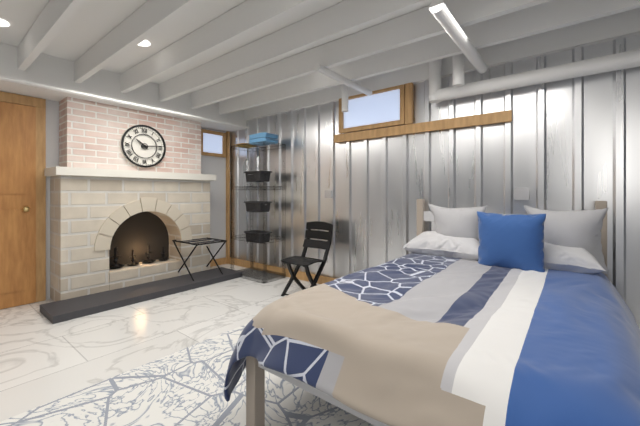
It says 10:14
